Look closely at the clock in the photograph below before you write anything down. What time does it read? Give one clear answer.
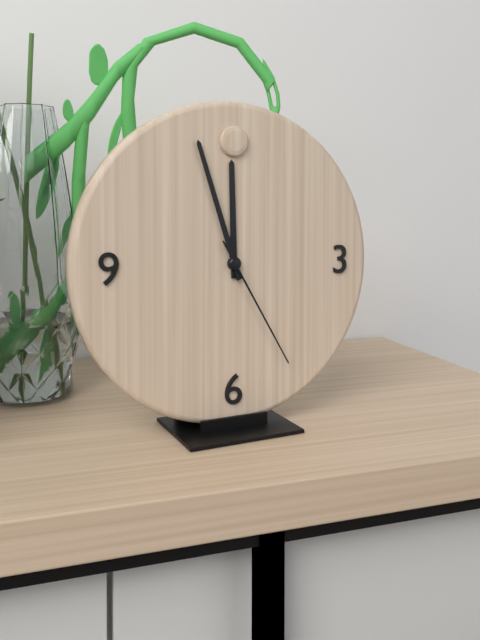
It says 11:57:25
